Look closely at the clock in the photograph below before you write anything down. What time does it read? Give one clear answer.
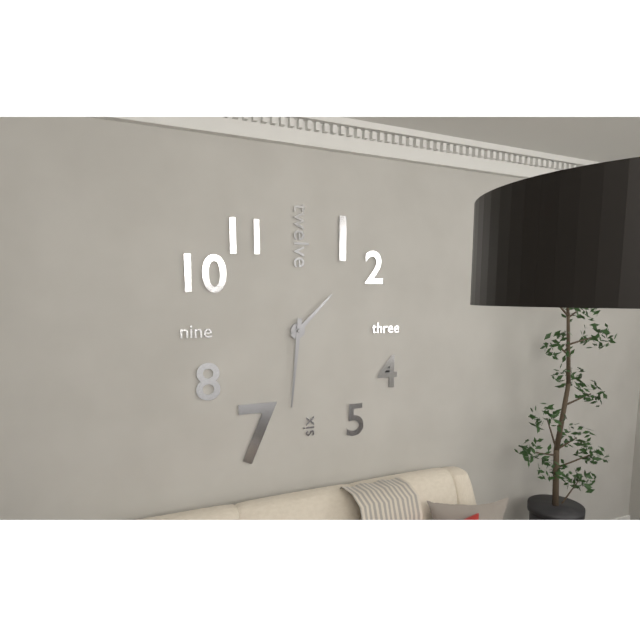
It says 1:31
